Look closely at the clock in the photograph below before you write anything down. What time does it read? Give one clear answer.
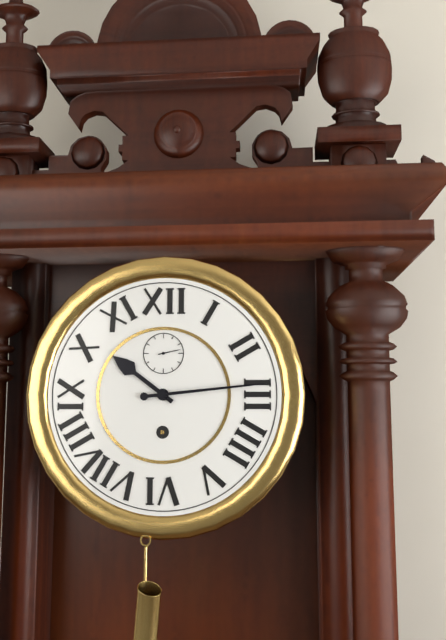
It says 10:14
